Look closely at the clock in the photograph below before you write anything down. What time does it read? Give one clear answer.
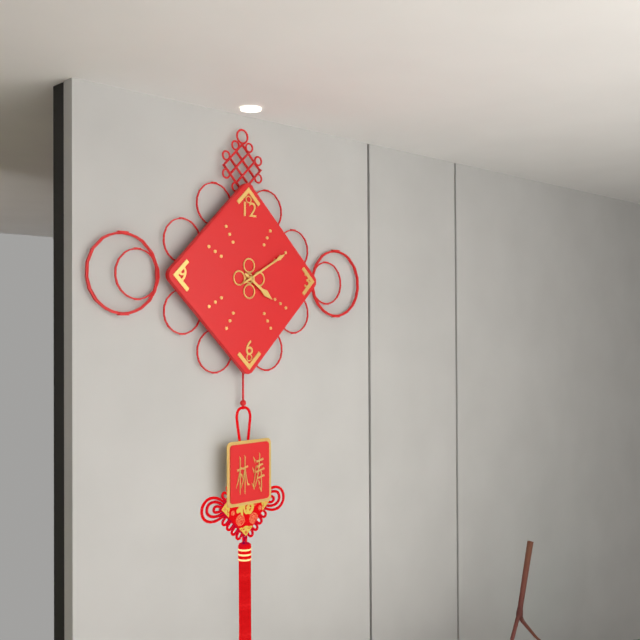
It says 4:10
